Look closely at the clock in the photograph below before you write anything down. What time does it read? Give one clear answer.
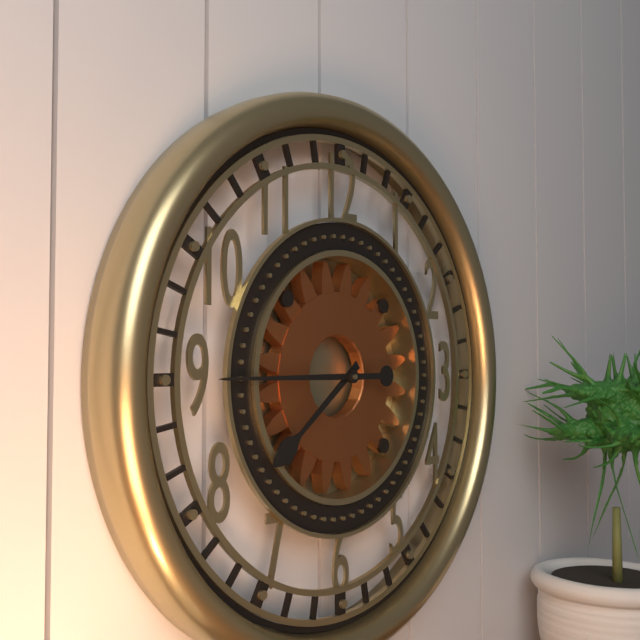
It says 7:45
